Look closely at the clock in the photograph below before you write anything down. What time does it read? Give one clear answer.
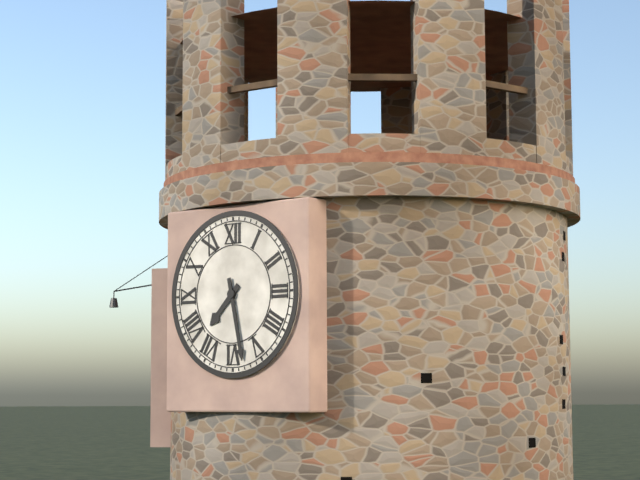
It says 7:28
